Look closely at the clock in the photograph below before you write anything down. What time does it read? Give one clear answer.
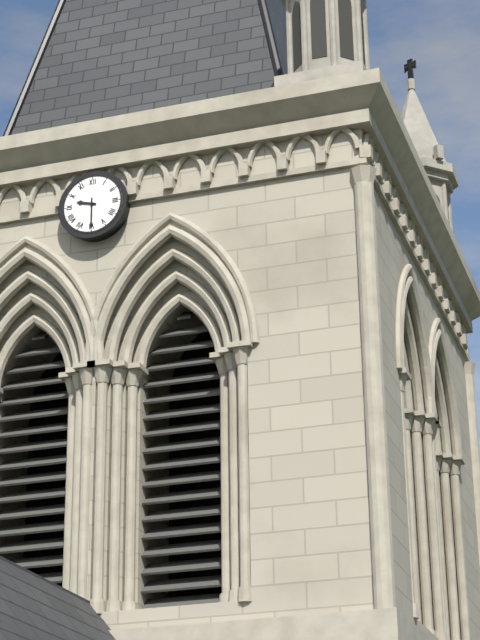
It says 9:30
